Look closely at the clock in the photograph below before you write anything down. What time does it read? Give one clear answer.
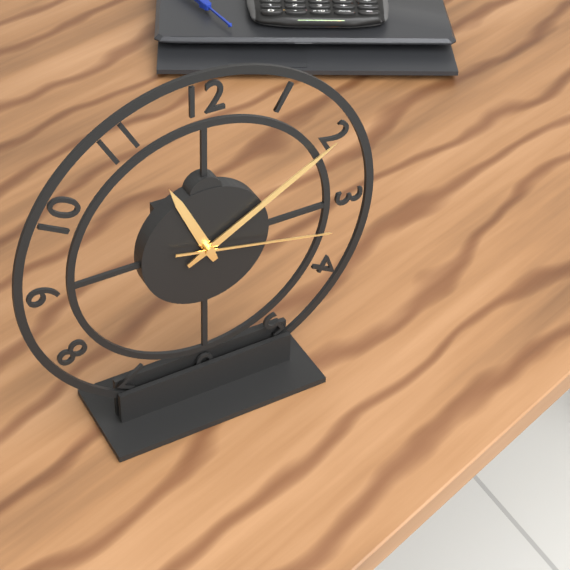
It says 11:10:17
